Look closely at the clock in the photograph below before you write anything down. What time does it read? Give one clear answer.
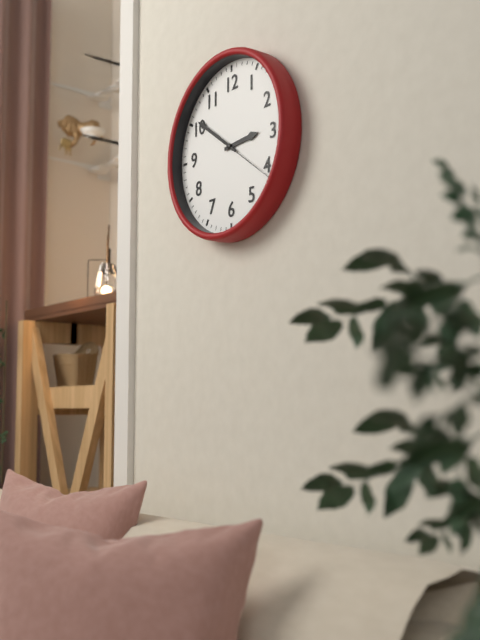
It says 2:51:21
